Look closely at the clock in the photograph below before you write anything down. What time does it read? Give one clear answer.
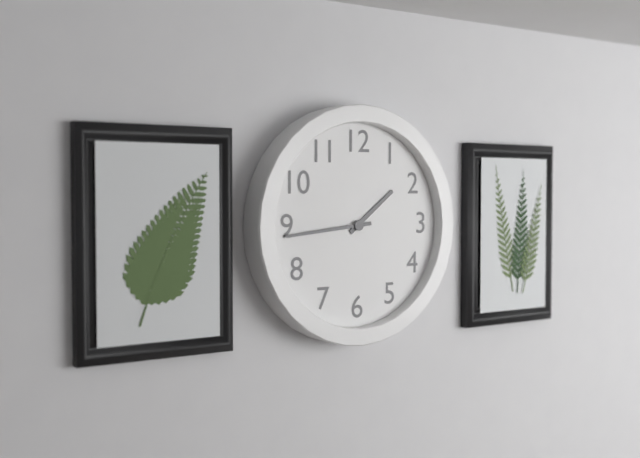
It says 1:44
